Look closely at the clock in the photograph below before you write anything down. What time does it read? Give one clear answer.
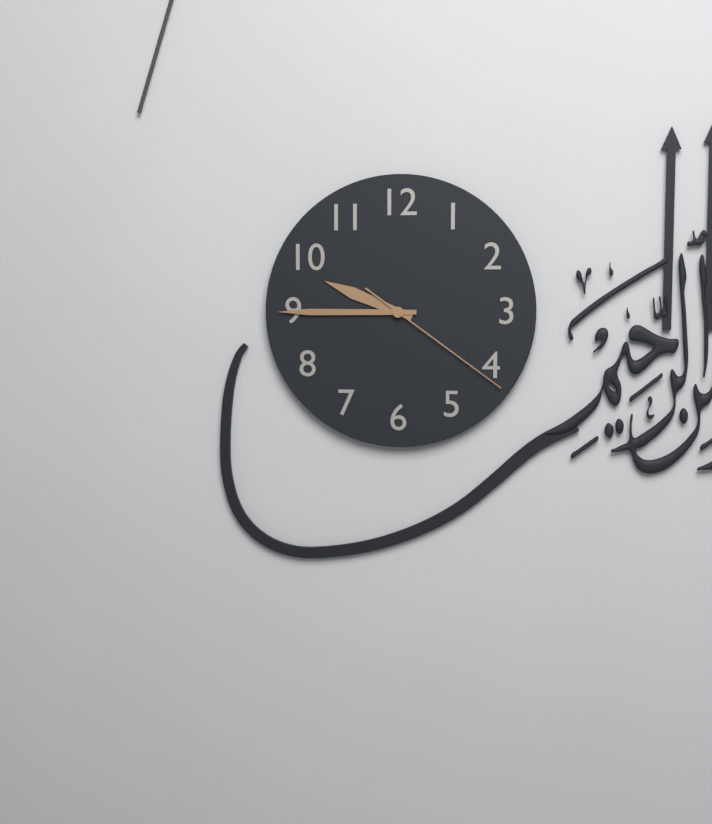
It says 9:45:21
